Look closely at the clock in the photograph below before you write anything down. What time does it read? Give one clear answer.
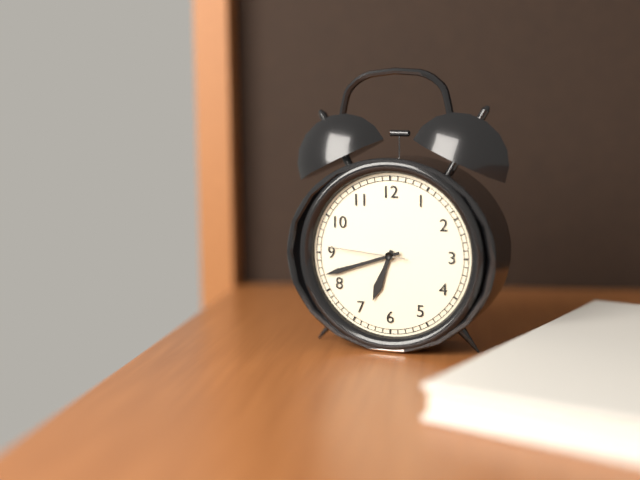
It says 6:42:46
